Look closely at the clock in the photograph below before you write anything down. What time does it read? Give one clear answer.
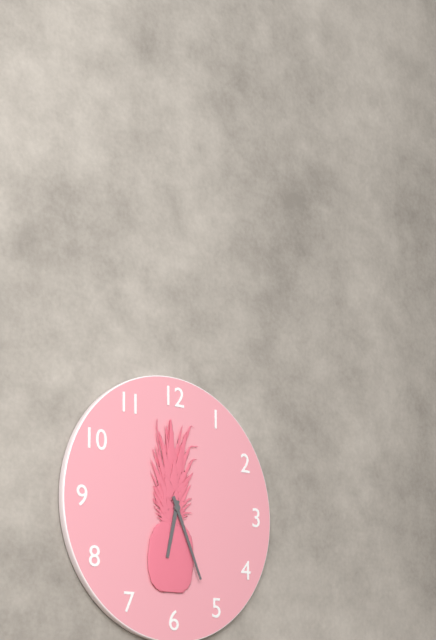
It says 6:26
